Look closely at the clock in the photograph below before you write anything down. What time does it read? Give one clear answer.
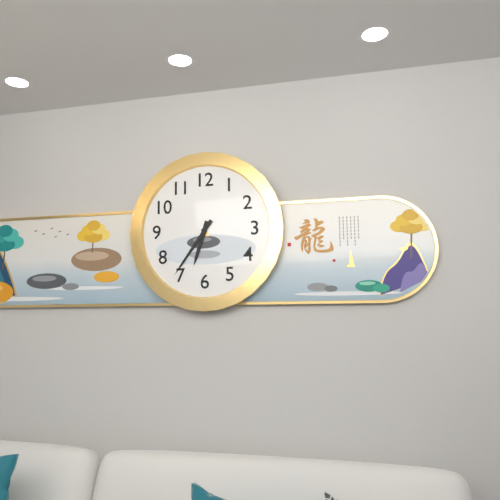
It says 6:36
